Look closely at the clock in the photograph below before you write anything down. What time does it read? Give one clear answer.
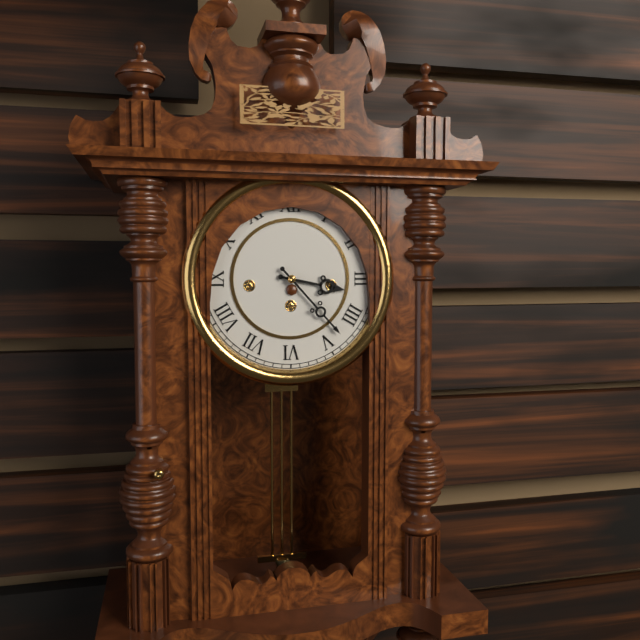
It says 3:23
